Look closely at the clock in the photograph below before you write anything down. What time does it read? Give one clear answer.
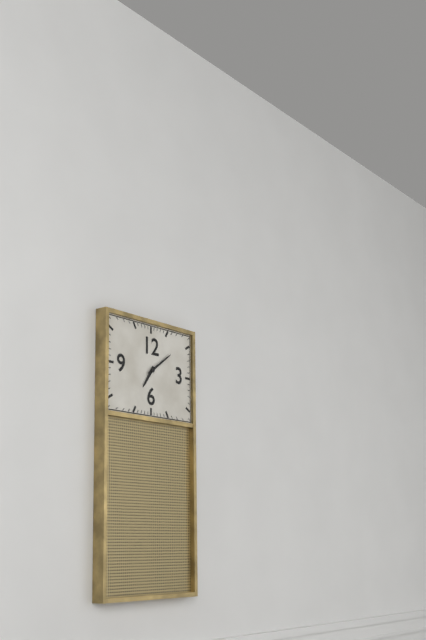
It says 7:09
